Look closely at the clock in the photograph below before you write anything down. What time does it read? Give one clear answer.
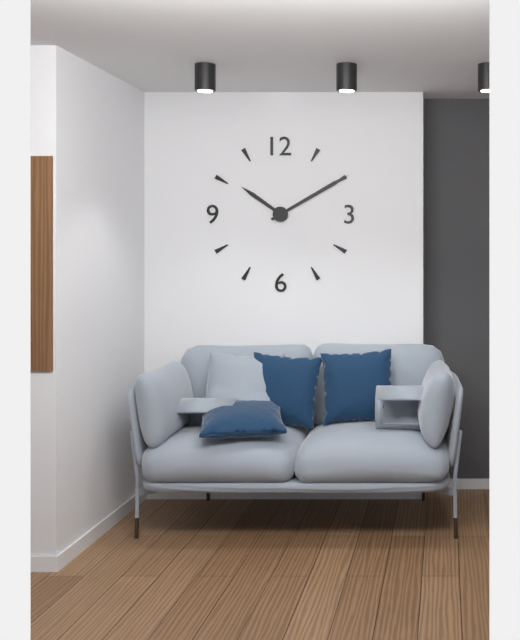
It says 10:10
